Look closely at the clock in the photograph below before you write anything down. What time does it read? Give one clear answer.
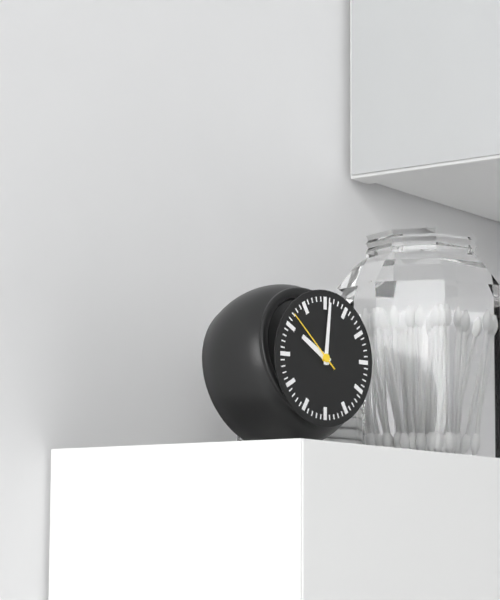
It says 10:01:52
